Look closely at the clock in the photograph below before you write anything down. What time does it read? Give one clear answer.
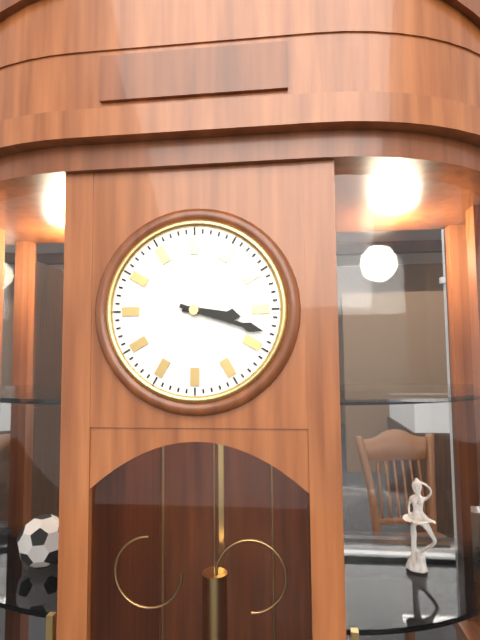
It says 3:18
